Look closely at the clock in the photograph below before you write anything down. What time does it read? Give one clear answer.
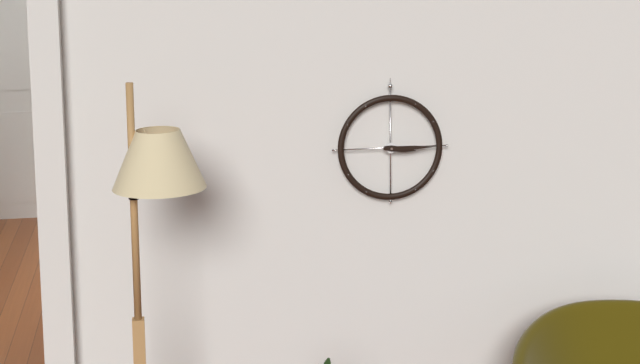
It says 3:15
